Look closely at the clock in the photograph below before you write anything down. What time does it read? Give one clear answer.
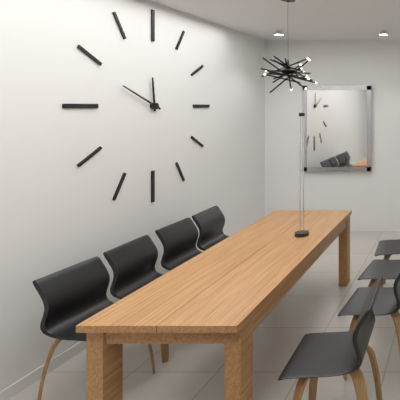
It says 11:49
